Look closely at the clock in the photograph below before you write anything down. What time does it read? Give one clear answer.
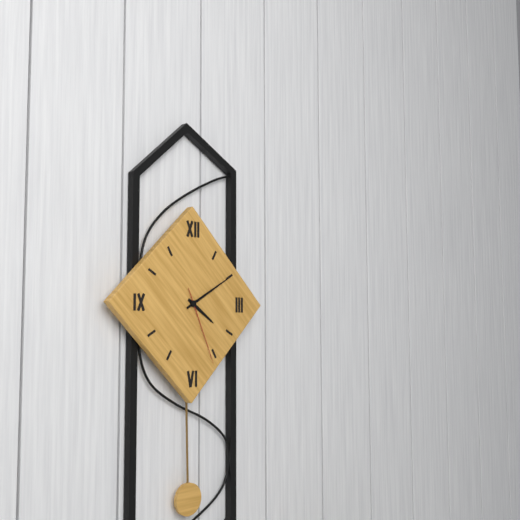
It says 4:10:26
